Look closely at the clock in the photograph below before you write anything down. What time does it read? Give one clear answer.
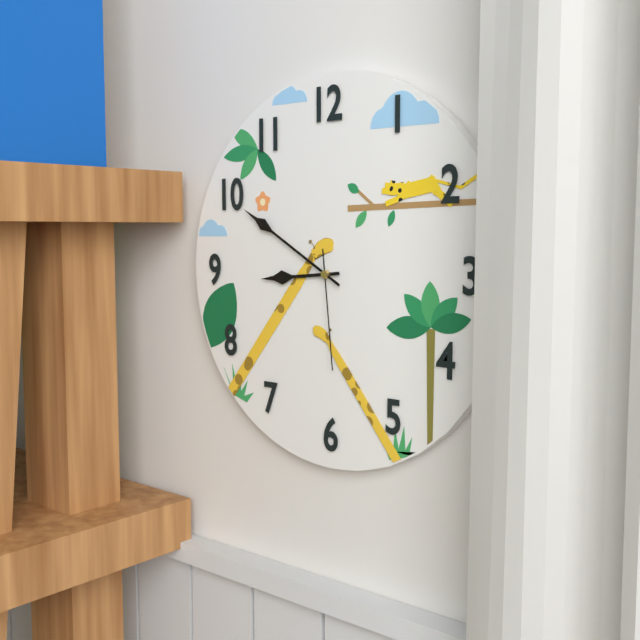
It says 8:50:29
